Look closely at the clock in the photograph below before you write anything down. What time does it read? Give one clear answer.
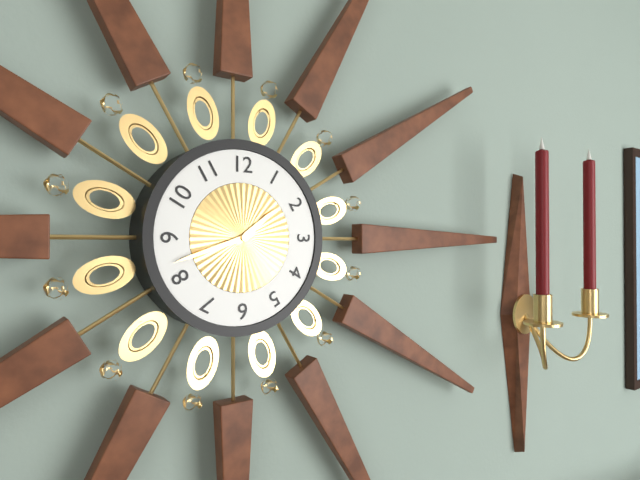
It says 1:42
